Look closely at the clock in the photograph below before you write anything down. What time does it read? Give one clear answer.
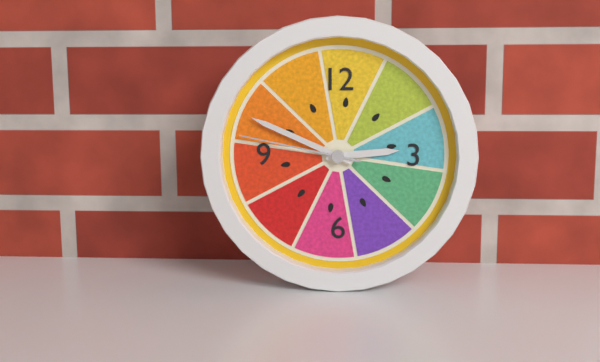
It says 2:49:47
